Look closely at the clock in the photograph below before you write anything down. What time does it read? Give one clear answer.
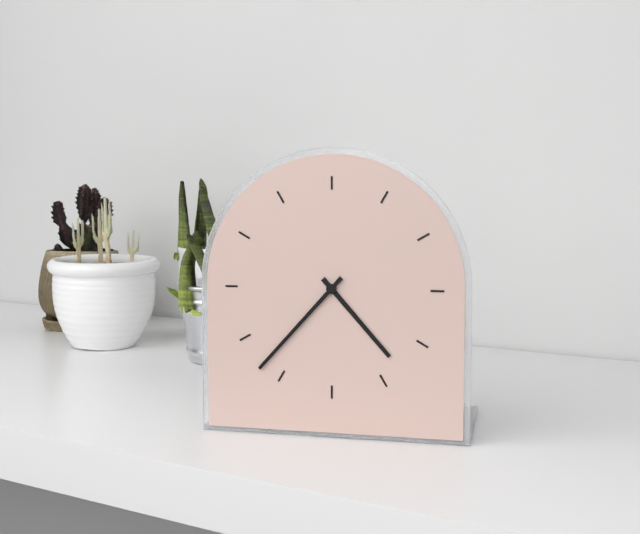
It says 4:37
